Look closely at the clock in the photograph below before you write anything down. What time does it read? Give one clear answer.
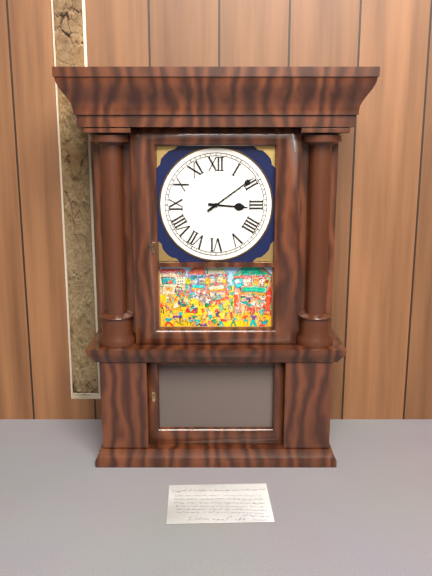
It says 3:09
